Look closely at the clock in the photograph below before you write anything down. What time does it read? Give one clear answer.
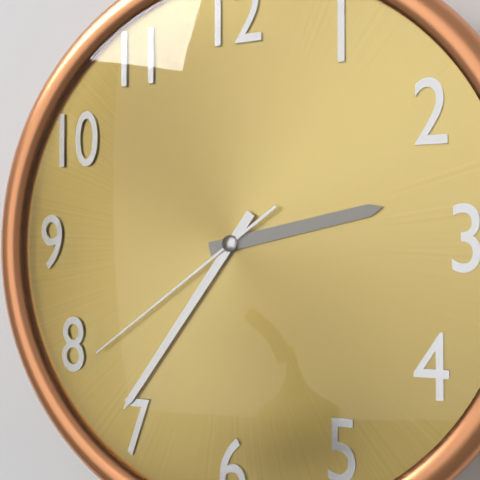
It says 2:36:39
